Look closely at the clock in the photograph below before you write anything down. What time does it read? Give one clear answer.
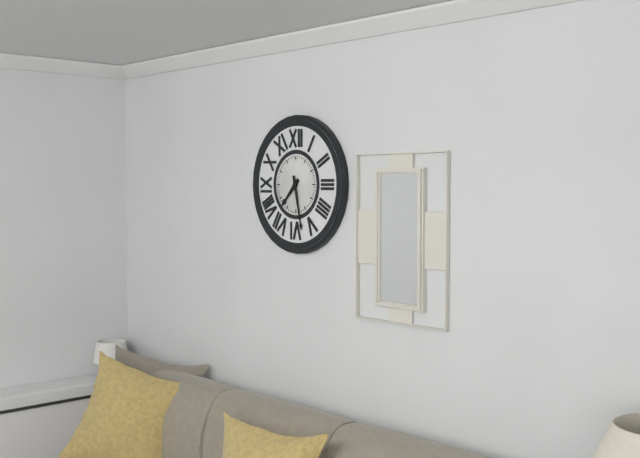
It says 7:28
